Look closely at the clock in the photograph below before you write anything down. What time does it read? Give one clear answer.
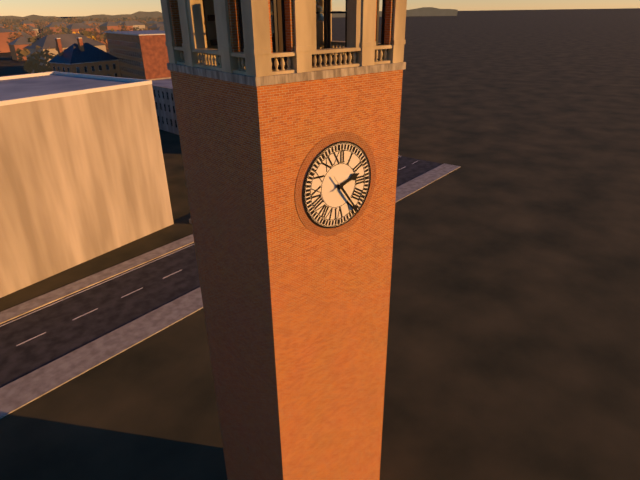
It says 2:24
